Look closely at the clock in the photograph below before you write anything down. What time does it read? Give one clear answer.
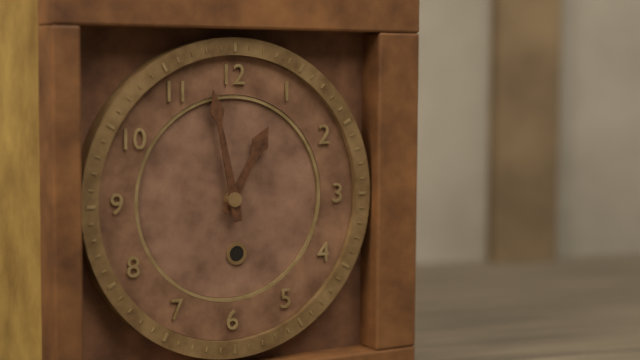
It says 12:58
